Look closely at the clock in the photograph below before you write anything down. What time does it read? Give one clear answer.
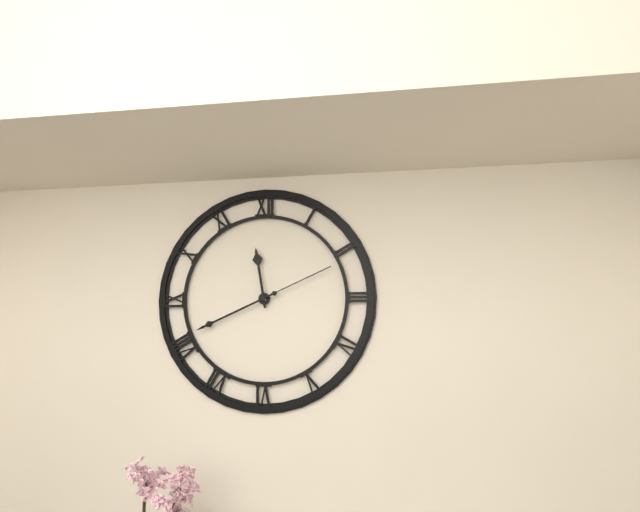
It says 11:41:11
